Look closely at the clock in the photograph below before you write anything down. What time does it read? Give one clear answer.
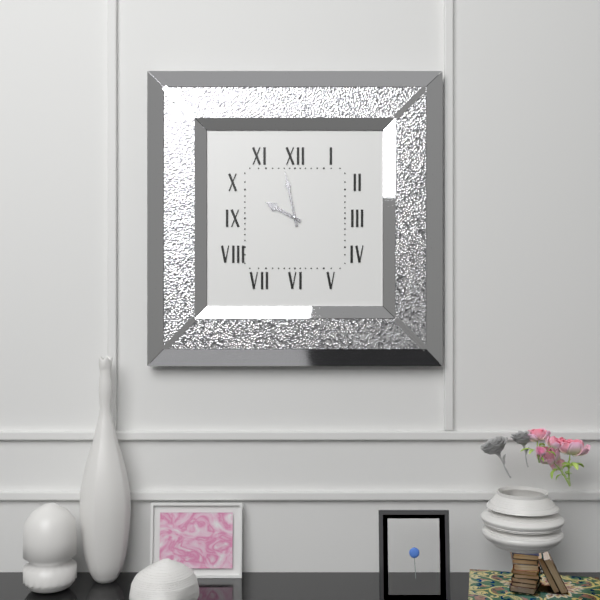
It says 9:58
